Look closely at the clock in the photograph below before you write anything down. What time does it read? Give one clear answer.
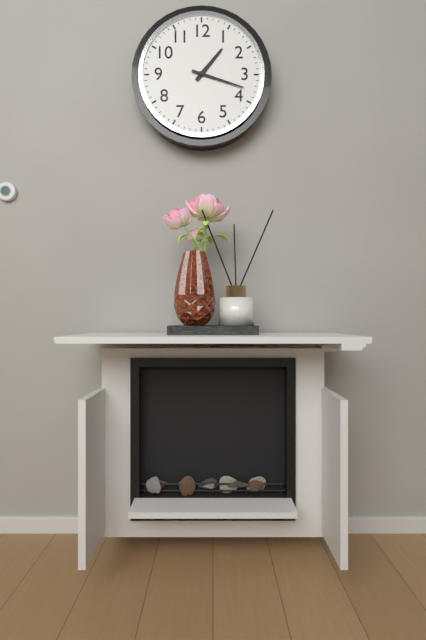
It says 1:18
